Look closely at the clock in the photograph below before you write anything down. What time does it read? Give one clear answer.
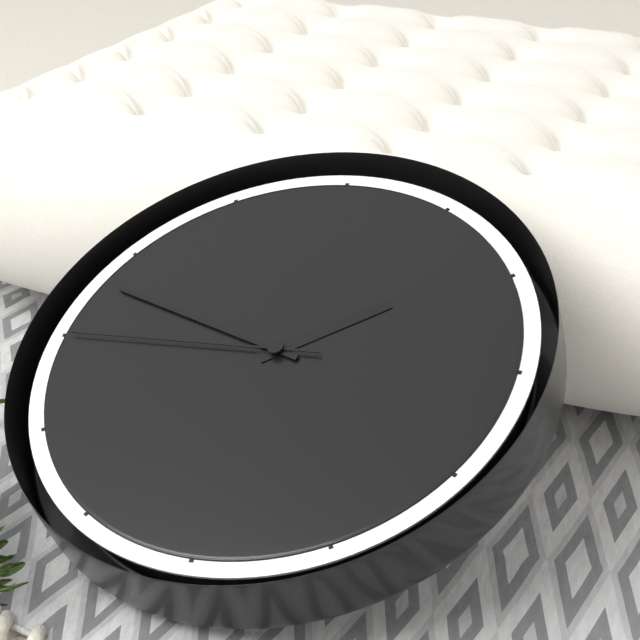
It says 1:48:45
